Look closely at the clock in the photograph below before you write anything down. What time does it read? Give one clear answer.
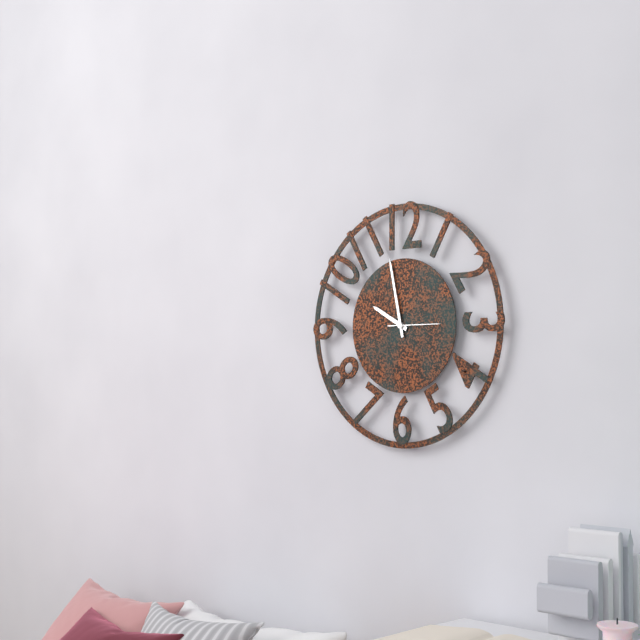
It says 9:58
